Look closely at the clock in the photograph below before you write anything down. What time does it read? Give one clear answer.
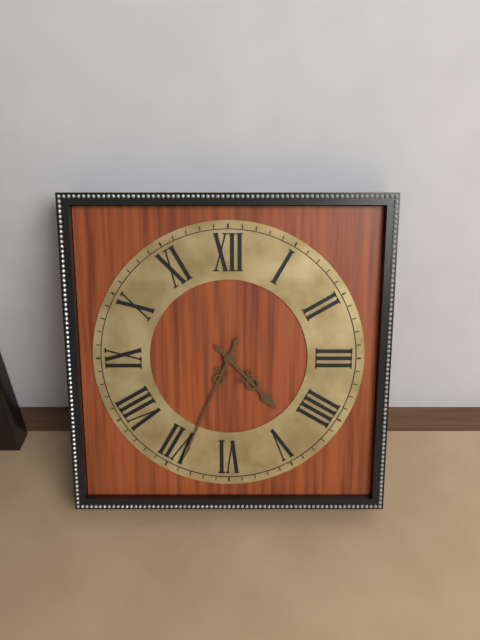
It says 4:34
